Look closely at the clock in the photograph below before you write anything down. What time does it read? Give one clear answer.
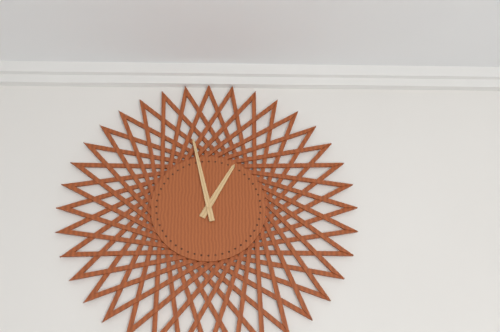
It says 12:58
